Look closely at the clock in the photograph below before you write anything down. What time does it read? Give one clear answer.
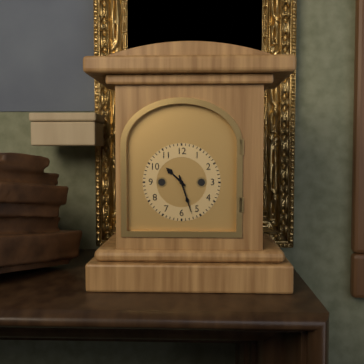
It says 10:27
